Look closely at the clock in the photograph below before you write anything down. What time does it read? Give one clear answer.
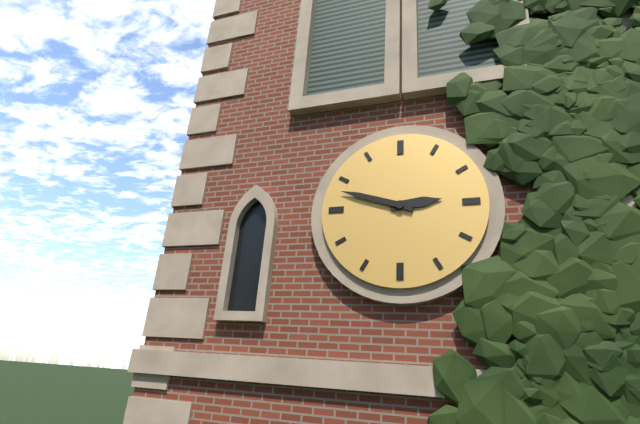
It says 2:48
